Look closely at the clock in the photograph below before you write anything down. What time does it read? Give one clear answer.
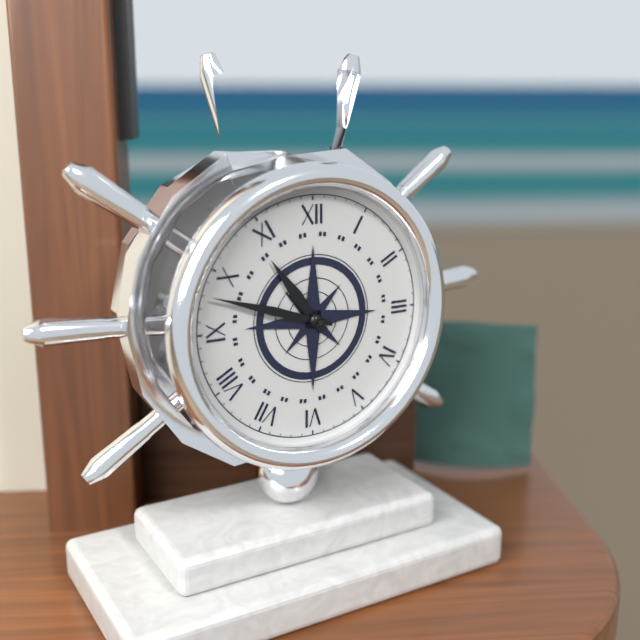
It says 10:48
